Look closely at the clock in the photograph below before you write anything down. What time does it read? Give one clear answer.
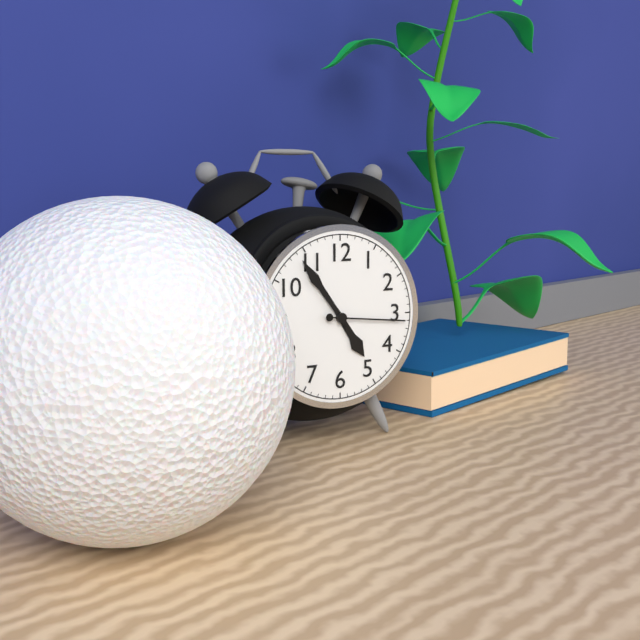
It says 4:54:16
